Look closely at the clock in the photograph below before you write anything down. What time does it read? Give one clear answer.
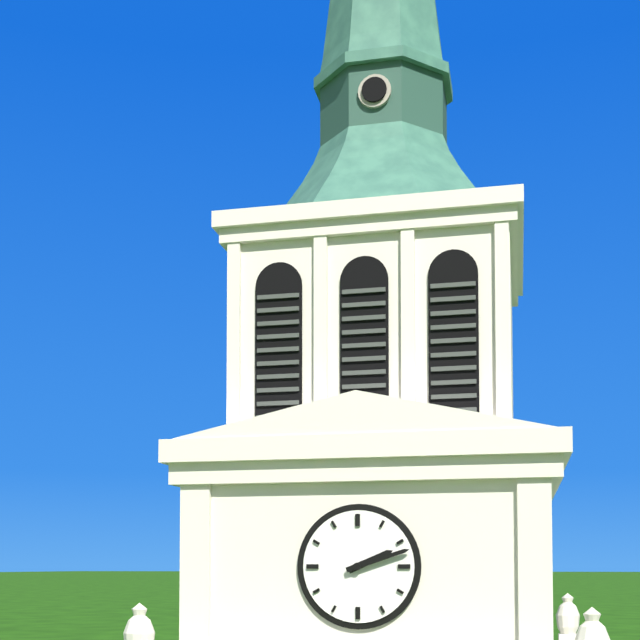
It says 2:12
